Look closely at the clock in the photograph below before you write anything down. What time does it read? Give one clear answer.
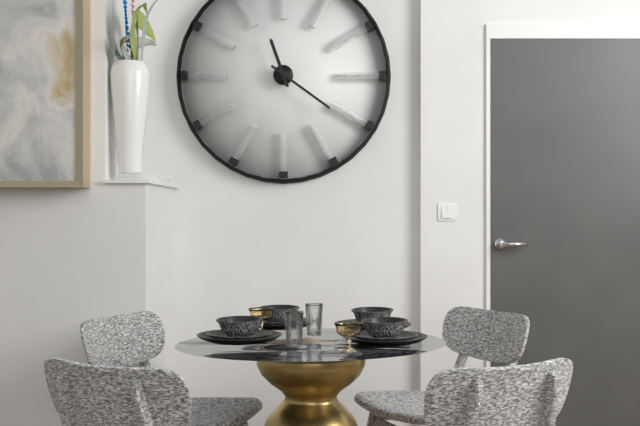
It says 11:21
